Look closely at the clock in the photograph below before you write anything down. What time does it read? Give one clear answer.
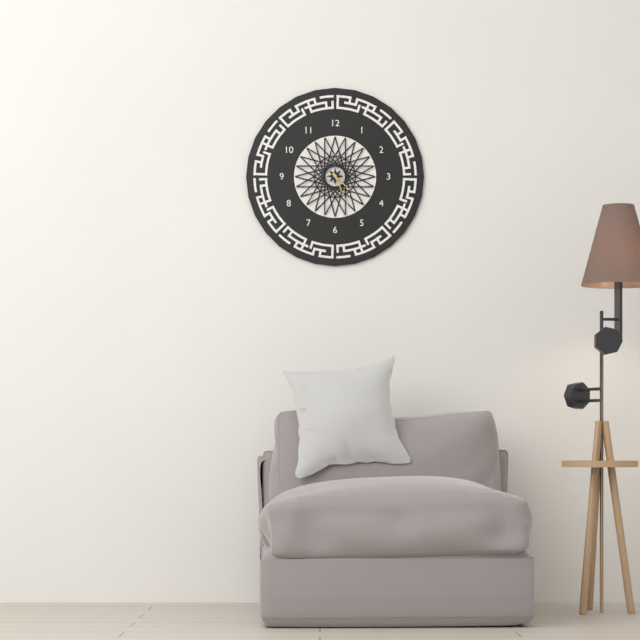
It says 4:26
